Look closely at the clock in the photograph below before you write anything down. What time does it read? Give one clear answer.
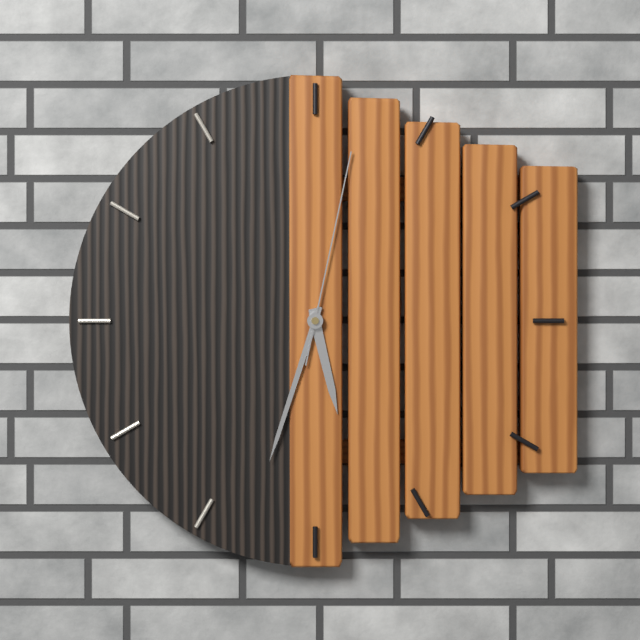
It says 5:33:02
